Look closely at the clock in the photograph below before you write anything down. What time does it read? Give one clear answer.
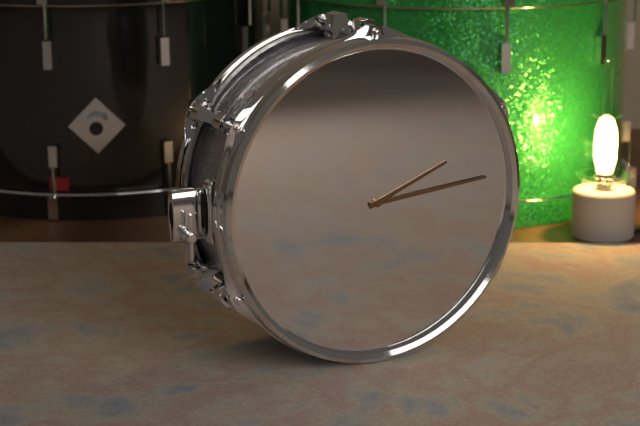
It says 2:14
